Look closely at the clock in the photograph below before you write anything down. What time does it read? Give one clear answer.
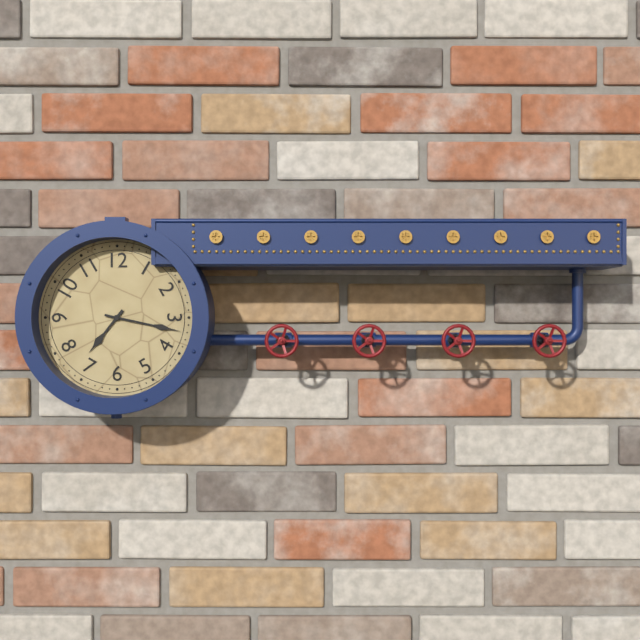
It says 7:17
